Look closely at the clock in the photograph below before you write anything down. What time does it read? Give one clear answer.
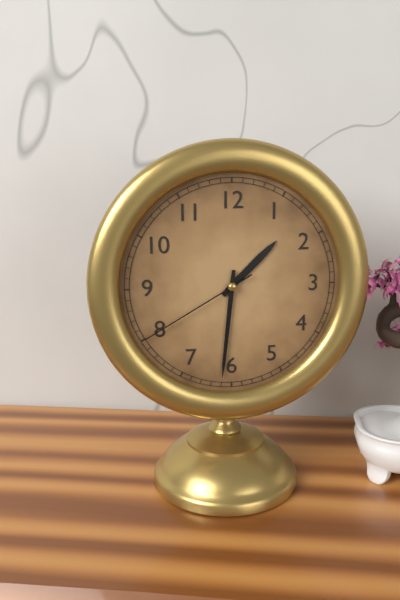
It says 1:31:40
